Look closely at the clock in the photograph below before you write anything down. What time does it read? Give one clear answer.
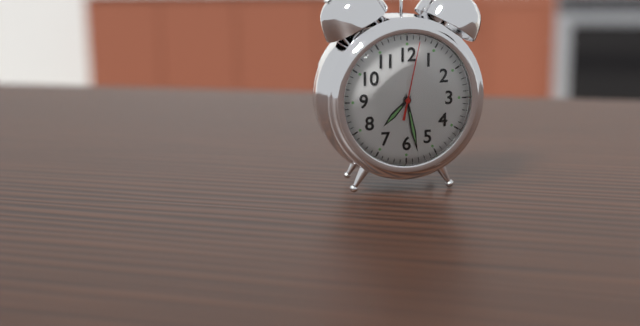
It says 7:28:02
